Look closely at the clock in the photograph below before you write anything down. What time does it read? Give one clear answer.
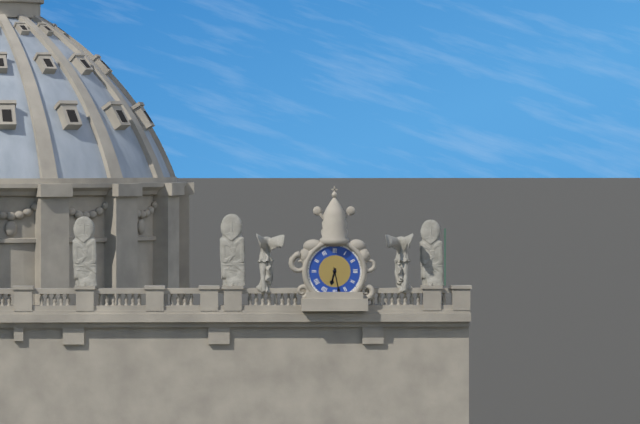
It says 6:28
